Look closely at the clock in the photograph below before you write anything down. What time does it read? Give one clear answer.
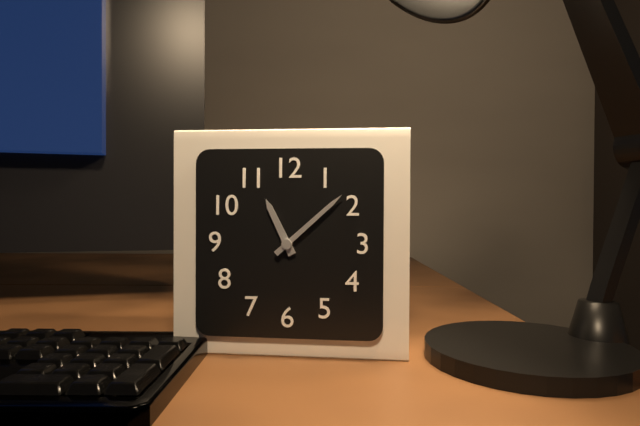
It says 11:08
